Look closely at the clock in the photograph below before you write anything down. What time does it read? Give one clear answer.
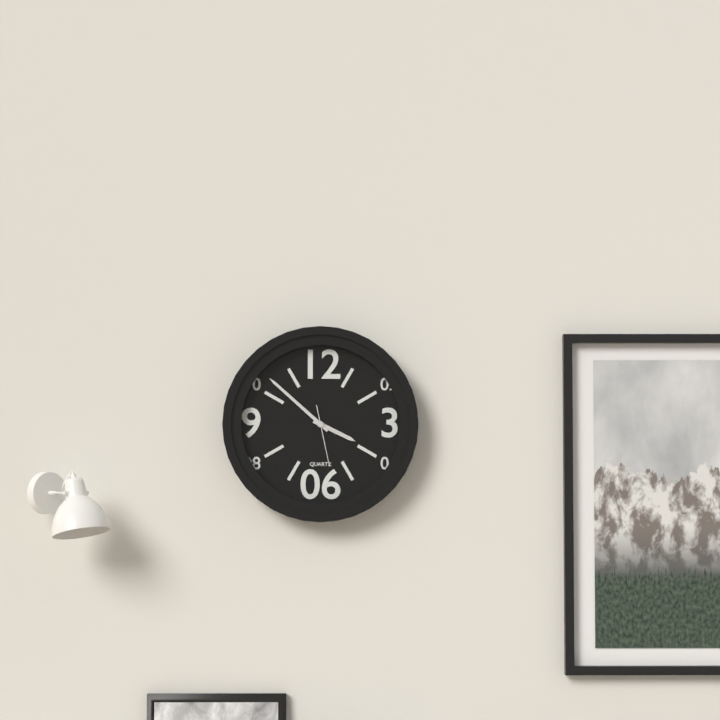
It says 3:52:28
